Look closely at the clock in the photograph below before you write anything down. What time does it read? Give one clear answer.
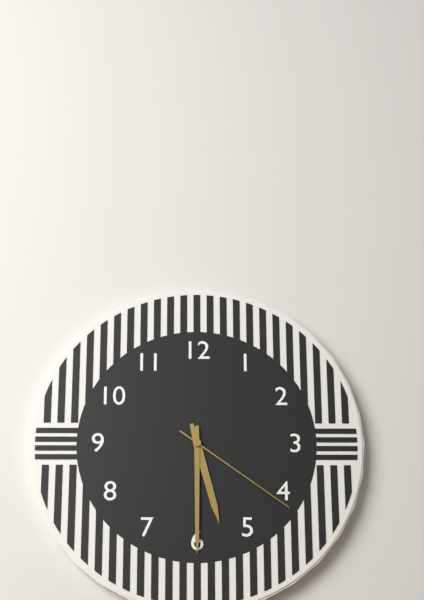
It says 5:30:21
